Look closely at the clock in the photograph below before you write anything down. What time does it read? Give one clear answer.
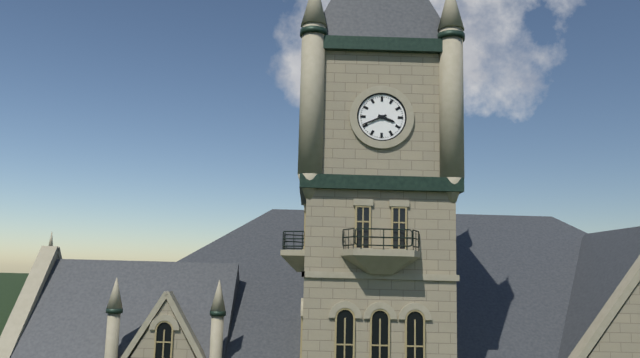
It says 3:41
